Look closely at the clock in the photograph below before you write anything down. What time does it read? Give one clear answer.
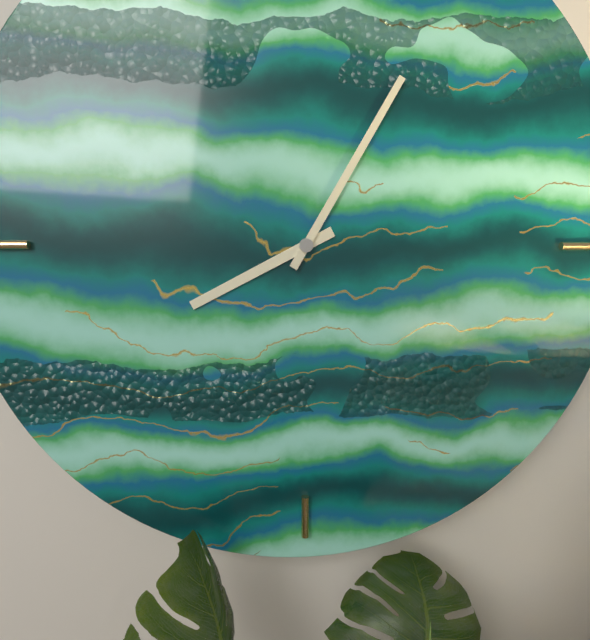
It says 8:05
